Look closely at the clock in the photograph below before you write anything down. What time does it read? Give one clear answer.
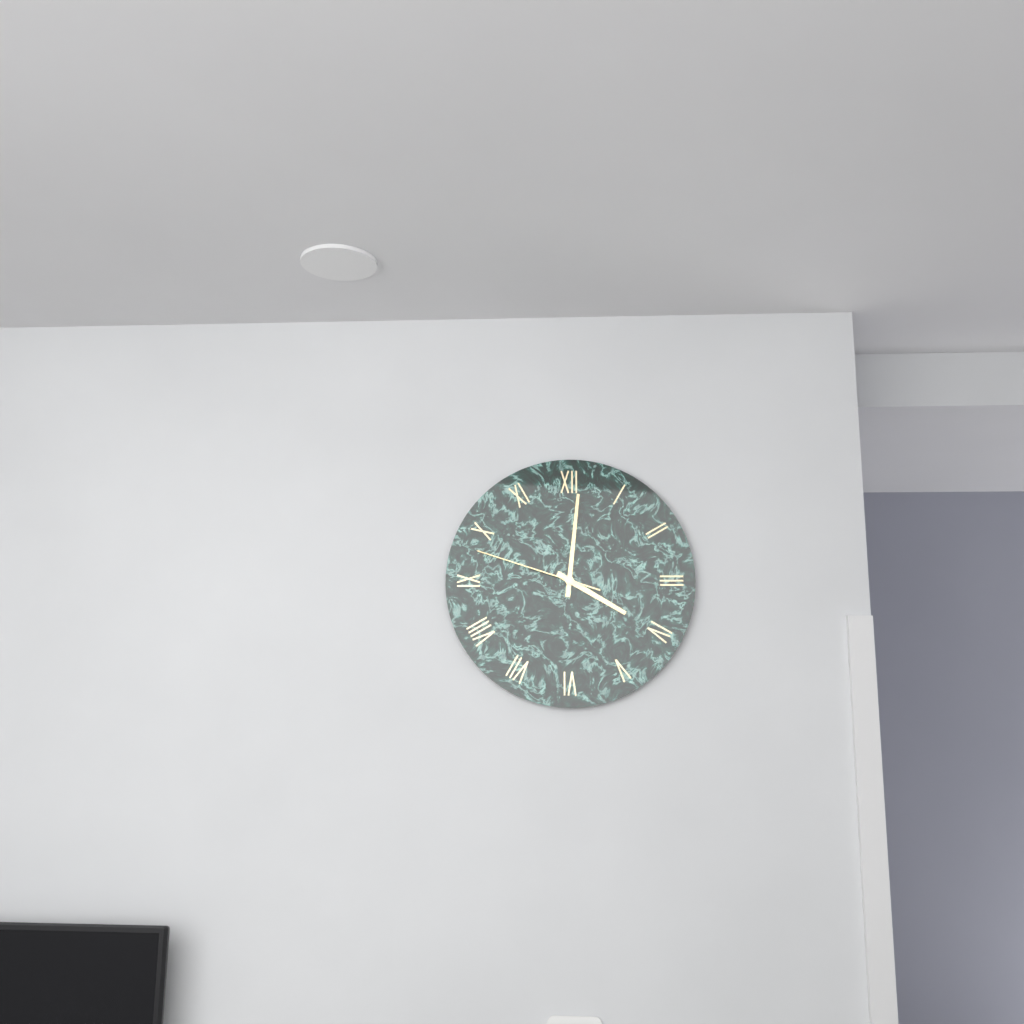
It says 4:01:48
